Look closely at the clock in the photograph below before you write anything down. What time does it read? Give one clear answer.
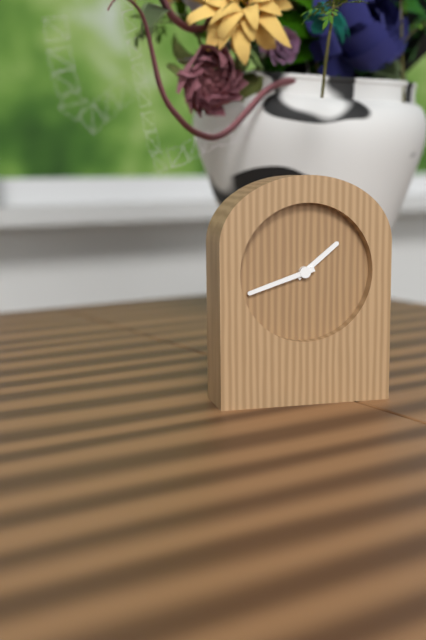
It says 1:42
